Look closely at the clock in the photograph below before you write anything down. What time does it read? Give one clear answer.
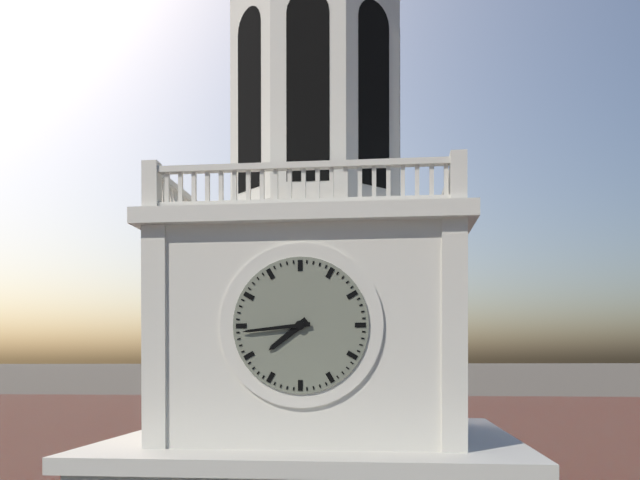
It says 7:44
